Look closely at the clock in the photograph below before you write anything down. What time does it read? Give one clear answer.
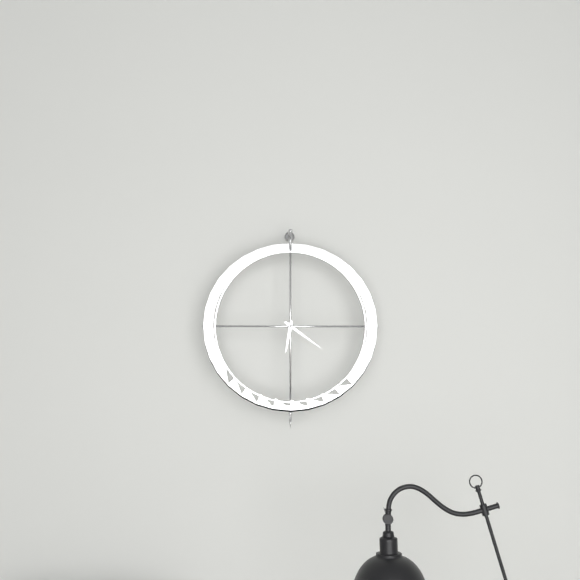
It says 6:21
